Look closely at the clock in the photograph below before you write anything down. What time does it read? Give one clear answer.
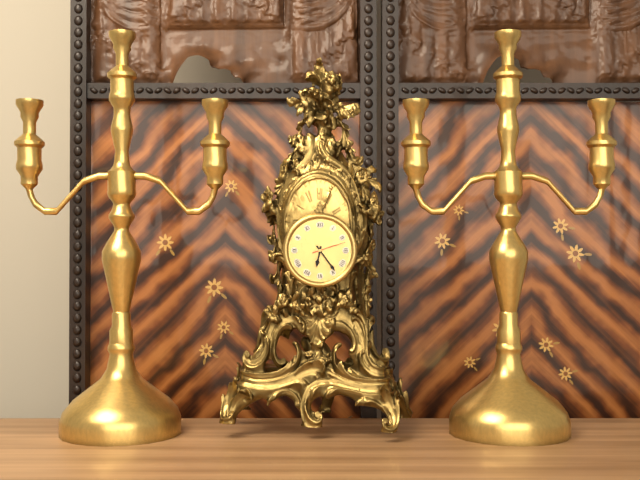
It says 6:24
